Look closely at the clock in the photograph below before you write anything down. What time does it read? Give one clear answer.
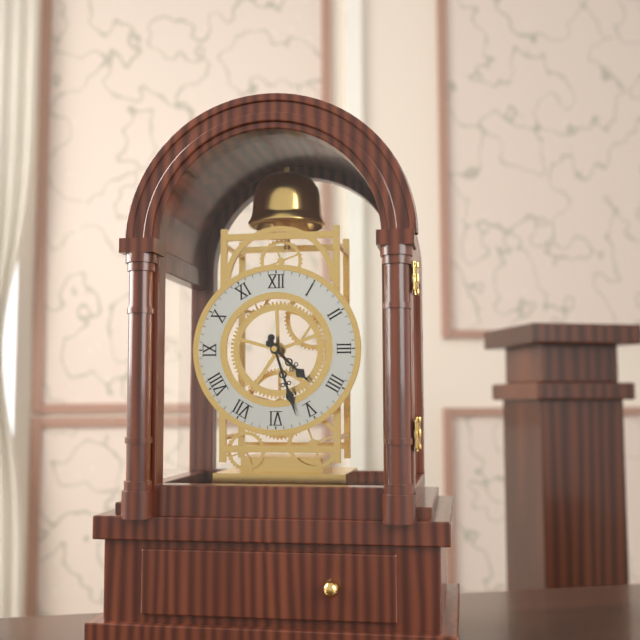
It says 4:27
